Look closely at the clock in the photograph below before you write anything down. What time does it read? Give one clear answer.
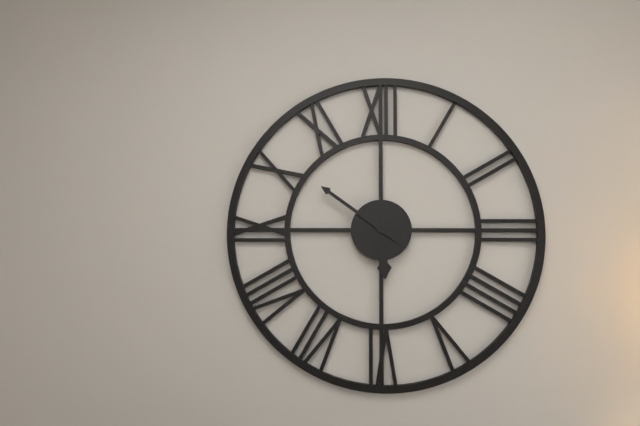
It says 5:51
